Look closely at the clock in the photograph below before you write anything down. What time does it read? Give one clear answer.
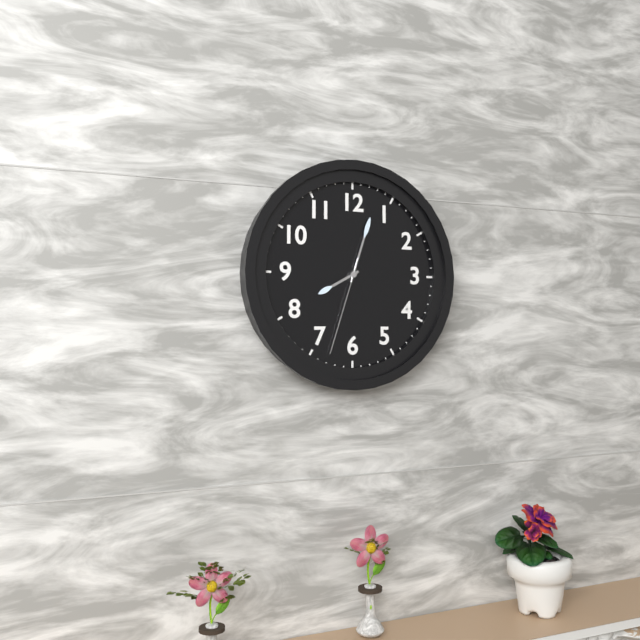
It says 8:03:33
